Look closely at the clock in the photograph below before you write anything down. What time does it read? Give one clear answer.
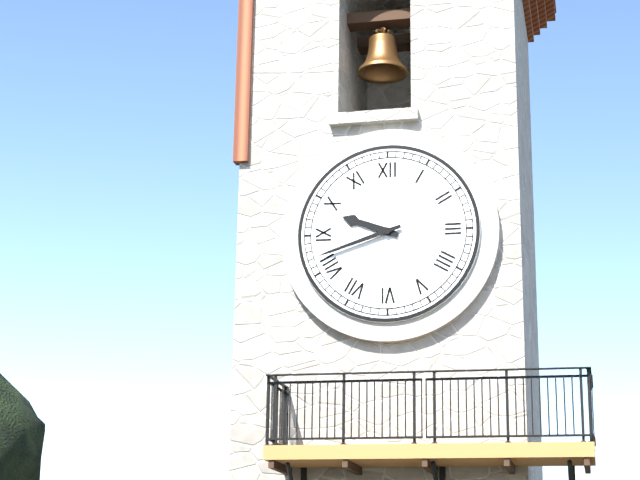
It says 9:42
